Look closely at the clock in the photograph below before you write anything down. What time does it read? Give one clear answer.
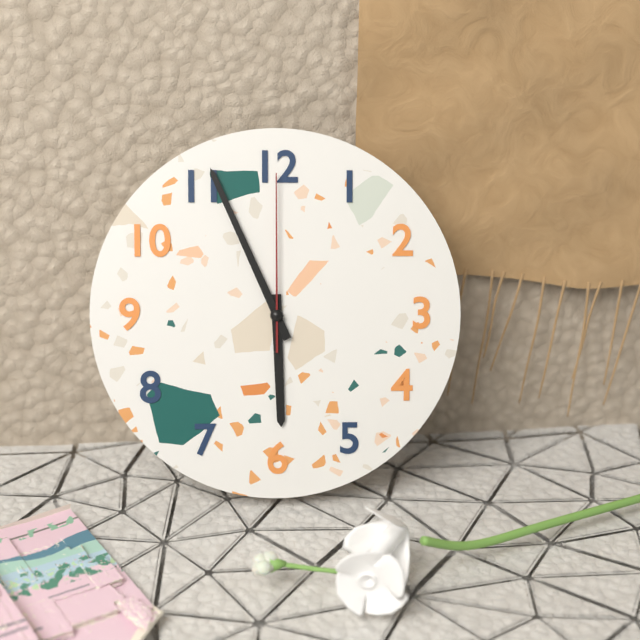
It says 5:56:00
